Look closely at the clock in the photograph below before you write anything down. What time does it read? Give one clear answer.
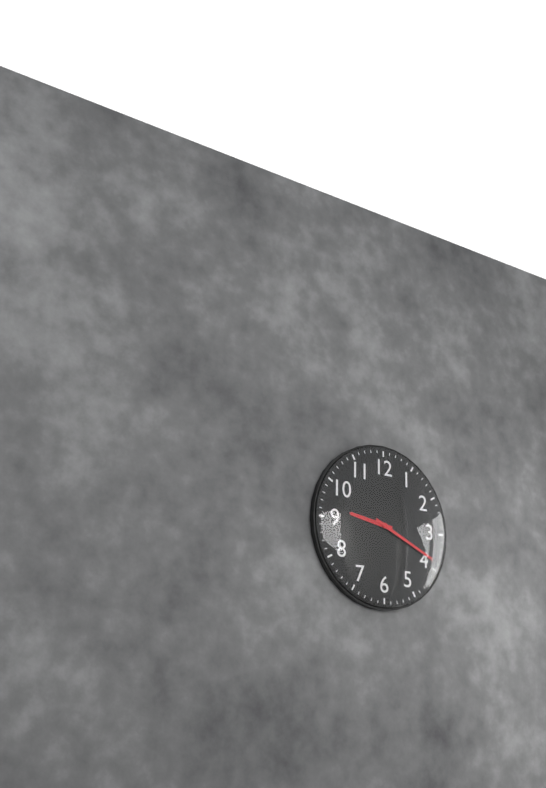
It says 9:19
